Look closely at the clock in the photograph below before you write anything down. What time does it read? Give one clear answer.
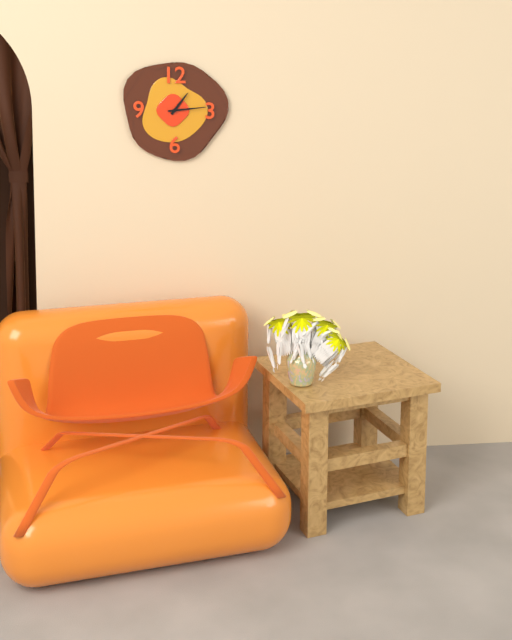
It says 1:14
